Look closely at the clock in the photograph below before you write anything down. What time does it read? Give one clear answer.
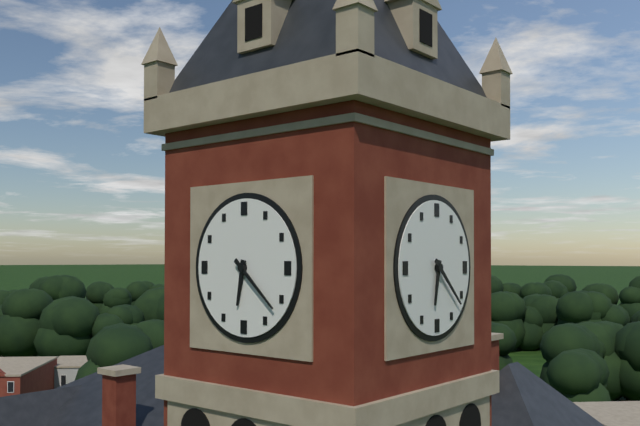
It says 6:22
